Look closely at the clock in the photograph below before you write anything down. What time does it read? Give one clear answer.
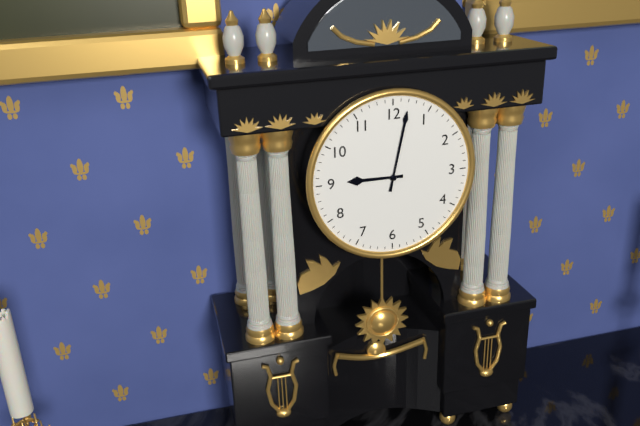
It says 9:02
